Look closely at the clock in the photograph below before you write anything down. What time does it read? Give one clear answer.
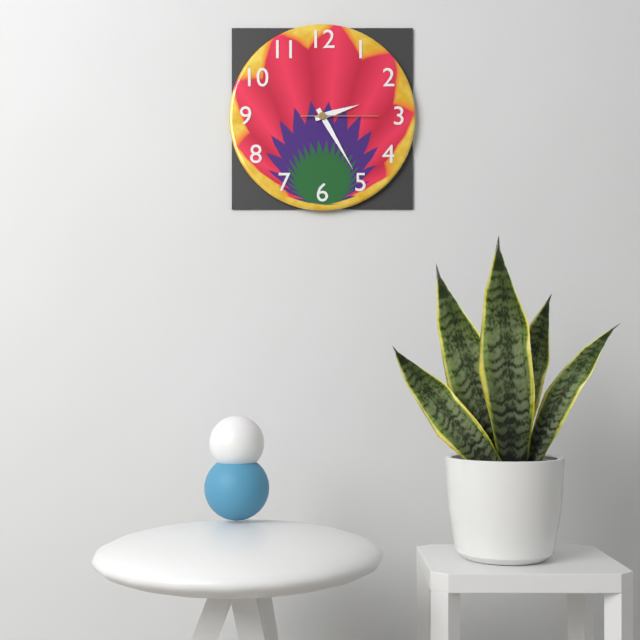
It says 2:25:15
